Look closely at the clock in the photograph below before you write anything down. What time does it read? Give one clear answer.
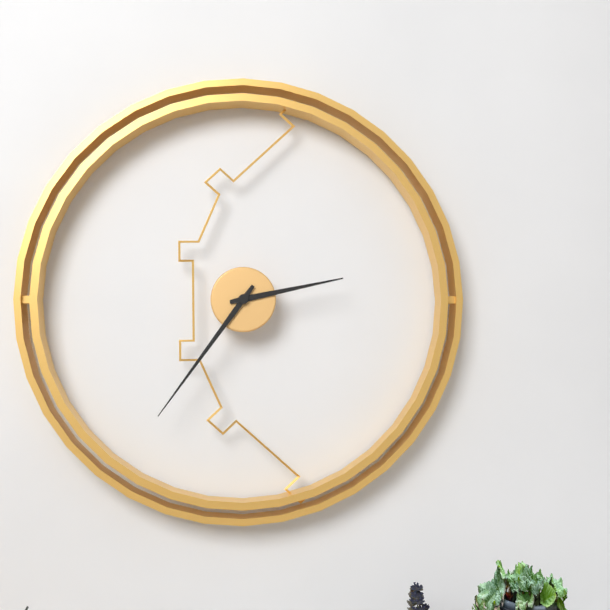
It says 2:36
